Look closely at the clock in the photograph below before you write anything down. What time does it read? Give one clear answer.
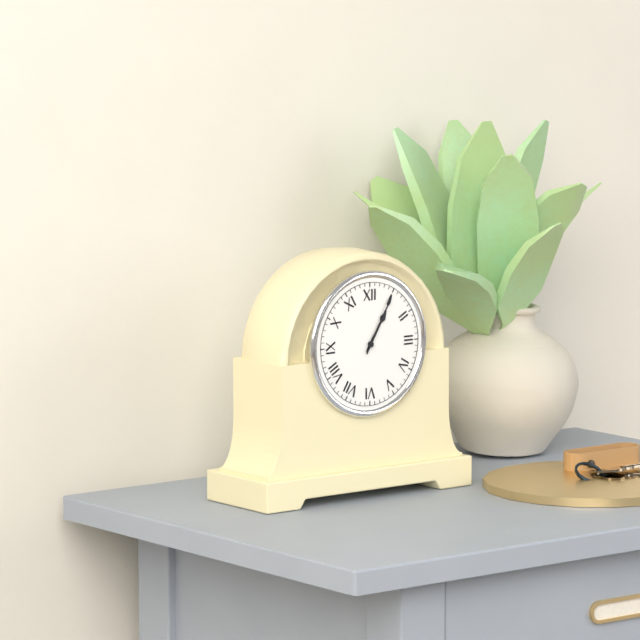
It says 1:05
